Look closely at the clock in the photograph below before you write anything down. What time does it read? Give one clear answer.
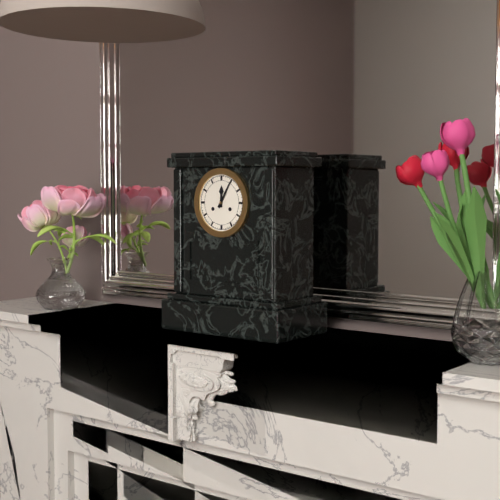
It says 12:05
